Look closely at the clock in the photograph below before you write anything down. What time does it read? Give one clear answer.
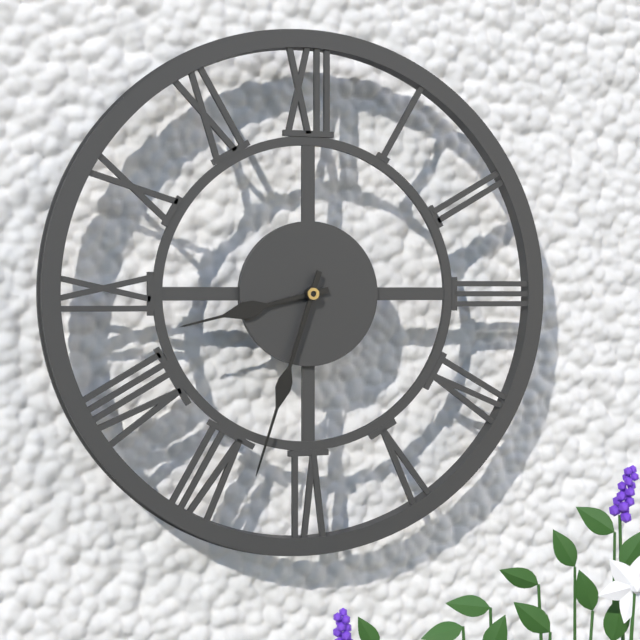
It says 8:33
